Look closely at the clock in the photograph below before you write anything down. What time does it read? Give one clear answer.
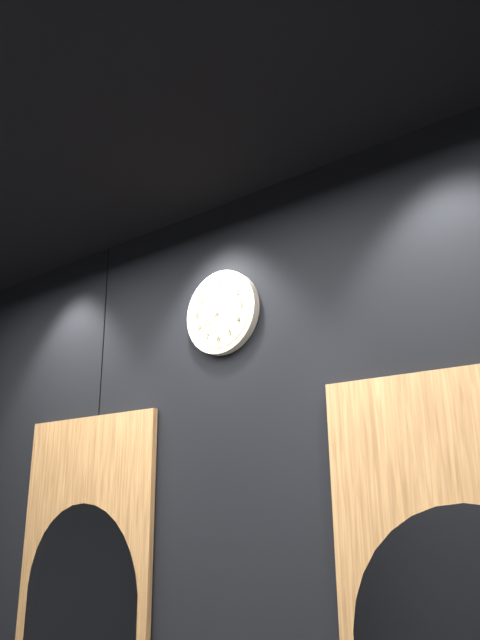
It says 8:24
